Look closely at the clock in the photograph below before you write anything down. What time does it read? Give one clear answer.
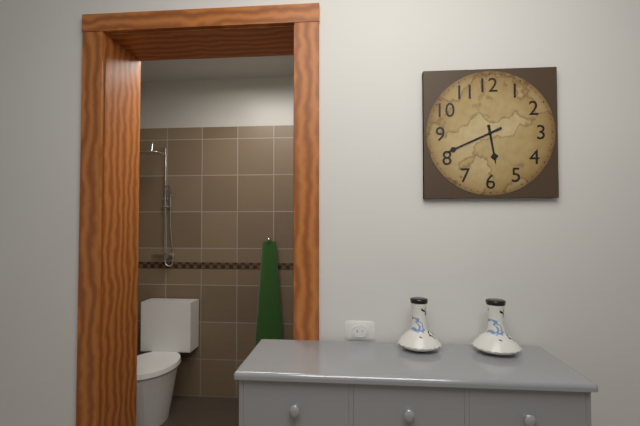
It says 5:41
